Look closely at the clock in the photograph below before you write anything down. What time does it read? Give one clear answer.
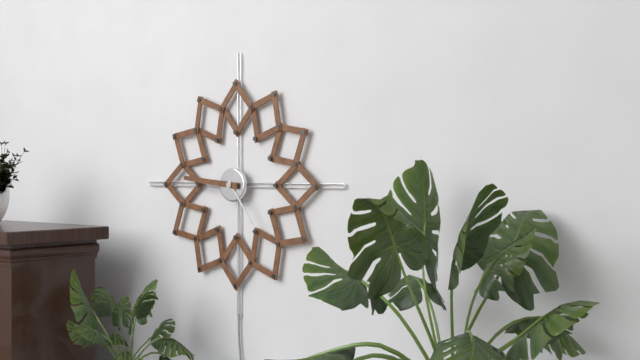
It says 4:46
